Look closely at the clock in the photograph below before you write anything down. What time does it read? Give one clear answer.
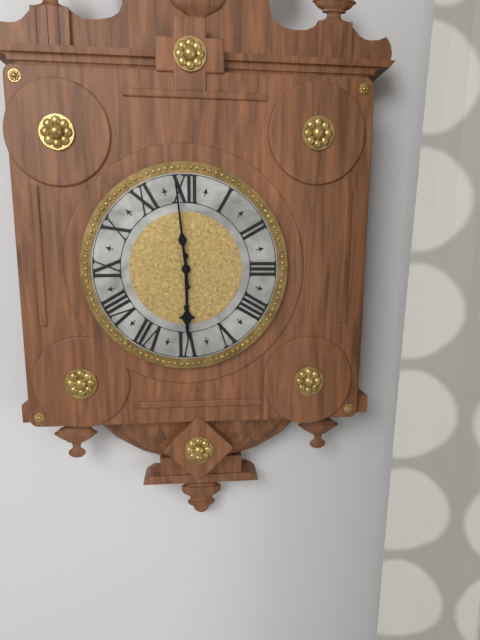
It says 5:59
